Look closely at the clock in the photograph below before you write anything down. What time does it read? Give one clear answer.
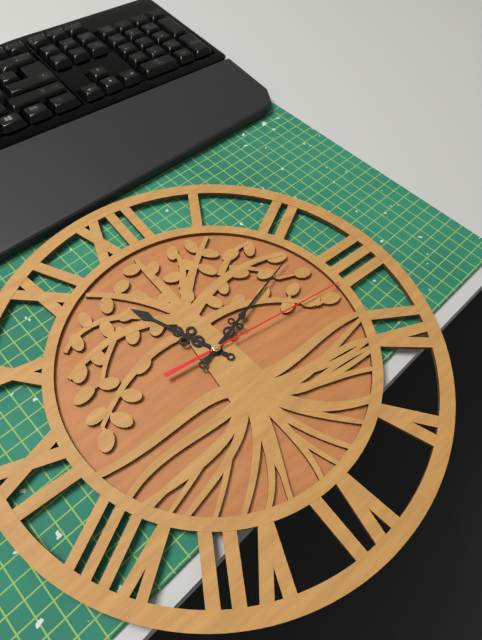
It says 11:12:16
